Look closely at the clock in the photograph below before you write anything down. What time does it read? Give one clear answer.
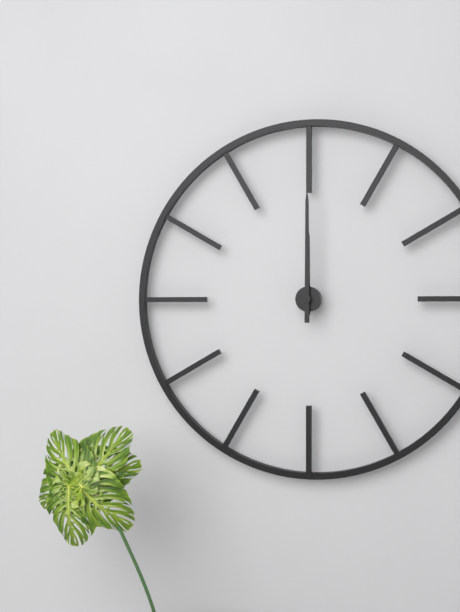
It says 12:00
